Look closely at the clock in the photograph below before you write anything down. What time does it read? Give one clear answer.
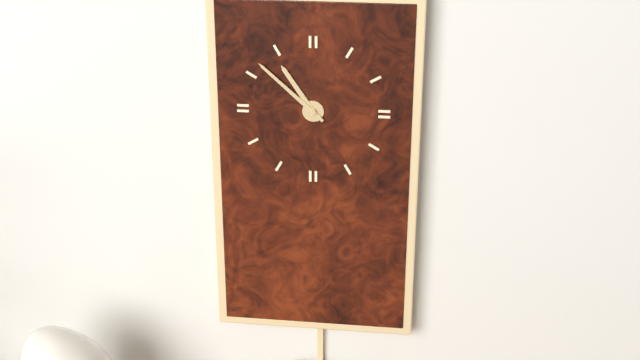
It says 10:52
